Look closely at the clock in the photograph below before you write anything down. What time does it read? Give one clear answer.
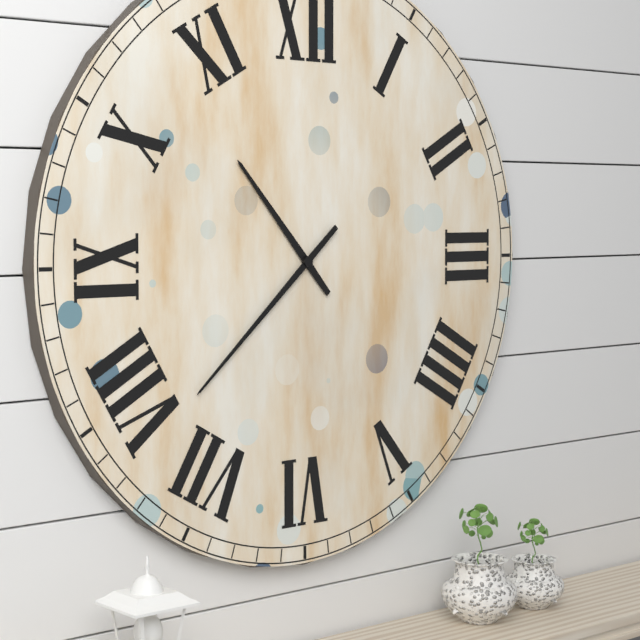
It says 10:38
